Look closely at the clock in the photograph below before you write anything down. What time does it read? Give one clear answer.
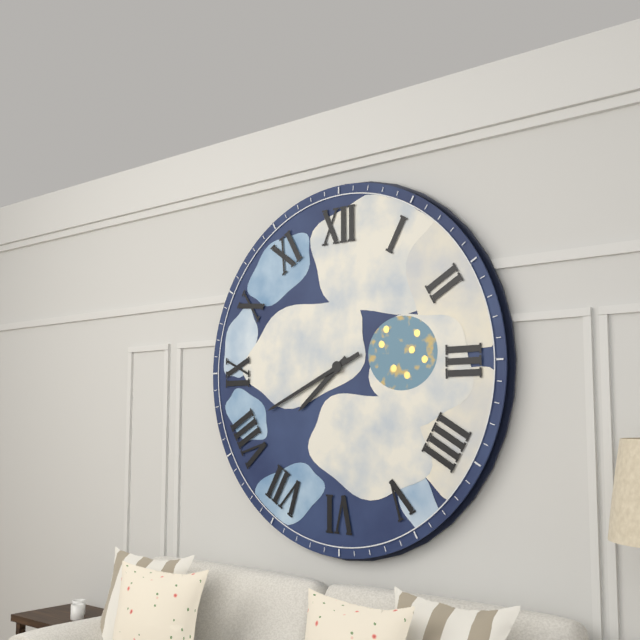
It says 7:41
